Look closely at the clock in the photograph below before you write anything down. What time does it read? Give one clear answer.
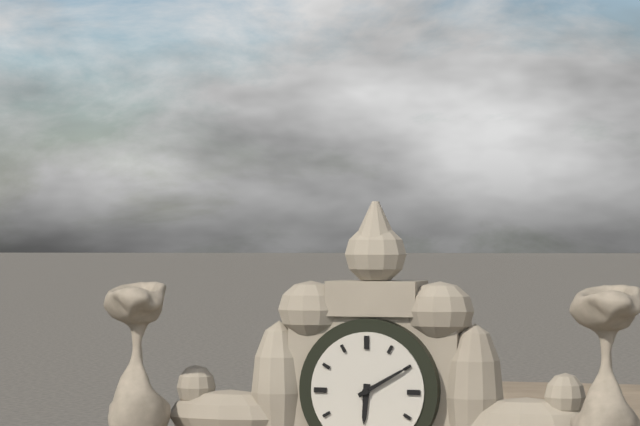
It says 6:10
